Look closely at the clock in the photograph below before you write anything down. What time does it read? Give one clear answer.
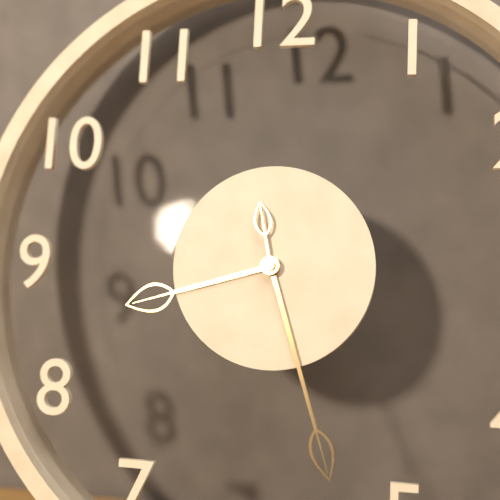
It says 8:27:58
